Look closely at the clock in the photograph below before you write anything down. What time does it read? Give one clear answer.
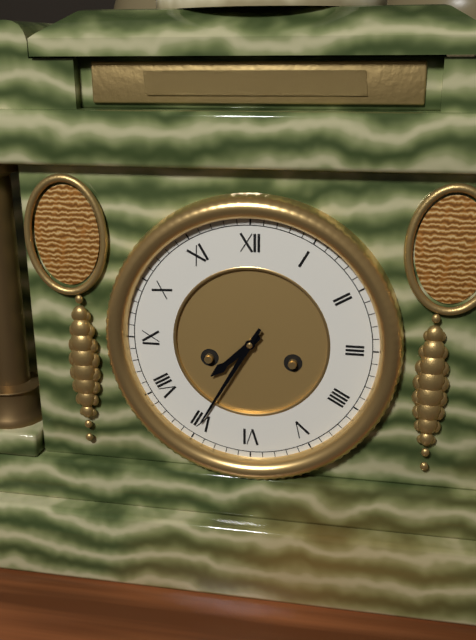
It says 7:35
